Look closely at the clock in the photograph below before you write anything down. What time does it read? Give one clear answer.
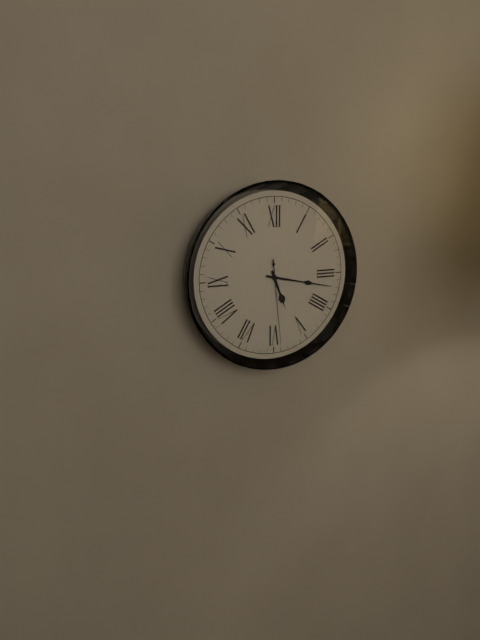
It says 5:17:29
